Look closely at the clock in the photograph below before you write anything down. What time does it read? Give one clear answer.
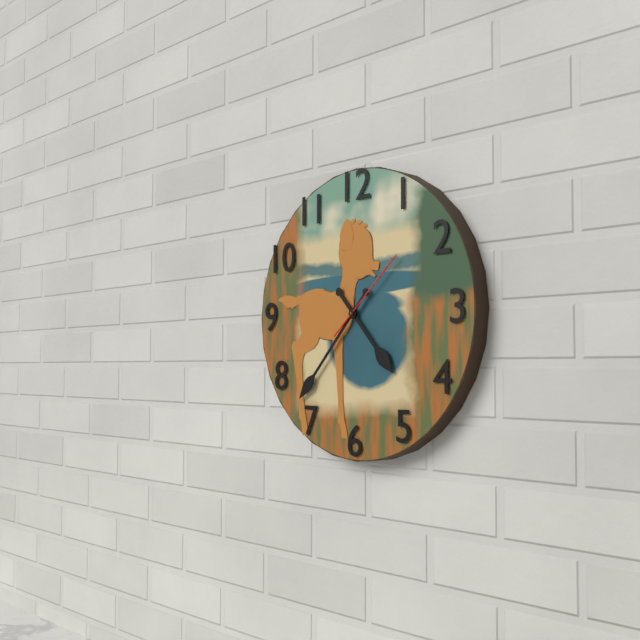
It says 4:37:08
